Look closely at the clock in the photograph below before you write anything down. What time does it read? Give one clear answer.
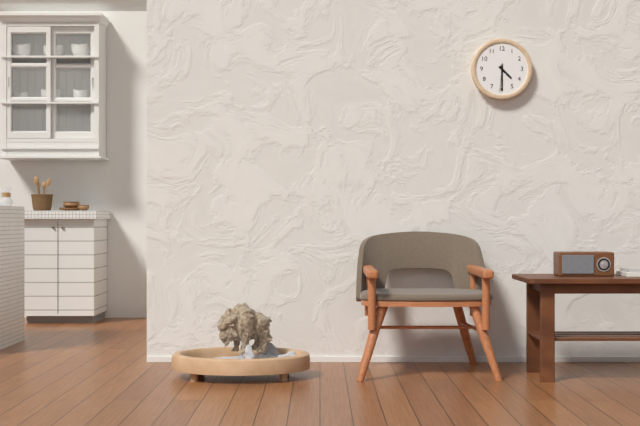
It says 4:30
